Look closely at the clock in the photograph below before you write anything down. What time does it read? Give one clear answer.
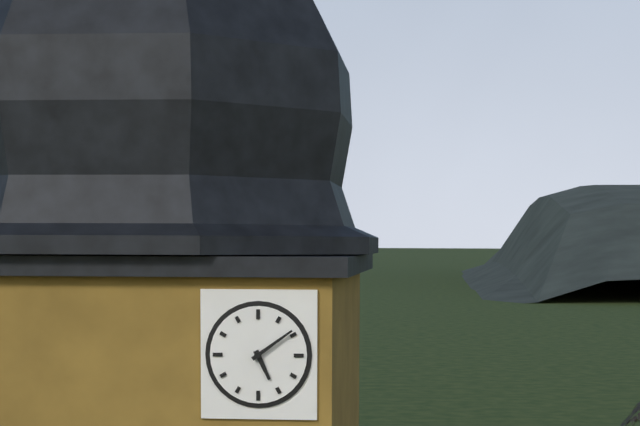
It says 5:09
